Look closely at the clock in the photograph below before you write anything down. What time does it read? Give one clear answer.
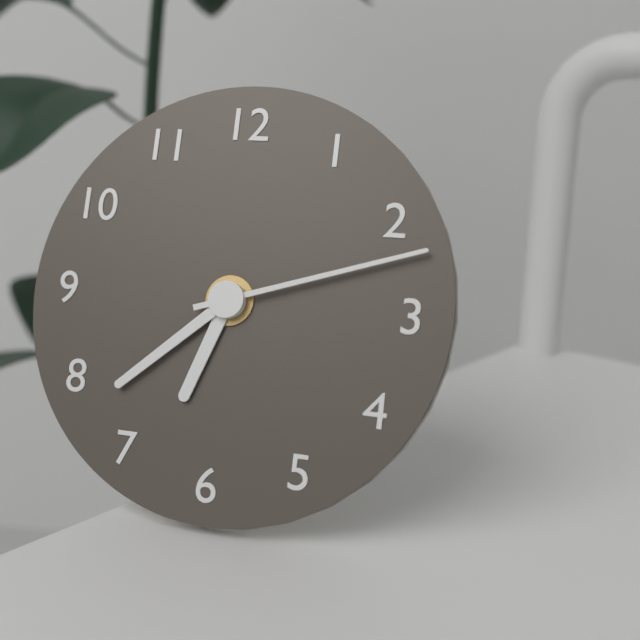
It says 6:38:12
